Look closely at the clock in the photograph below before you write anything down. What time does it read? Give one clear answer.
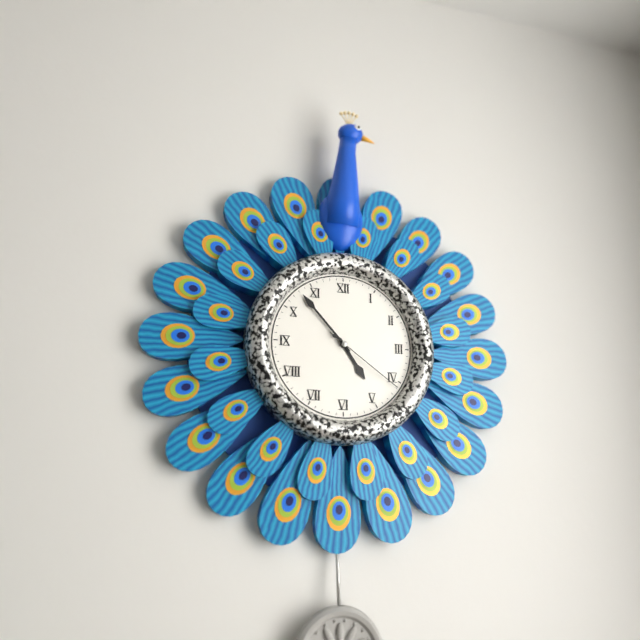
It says 4:53:21
